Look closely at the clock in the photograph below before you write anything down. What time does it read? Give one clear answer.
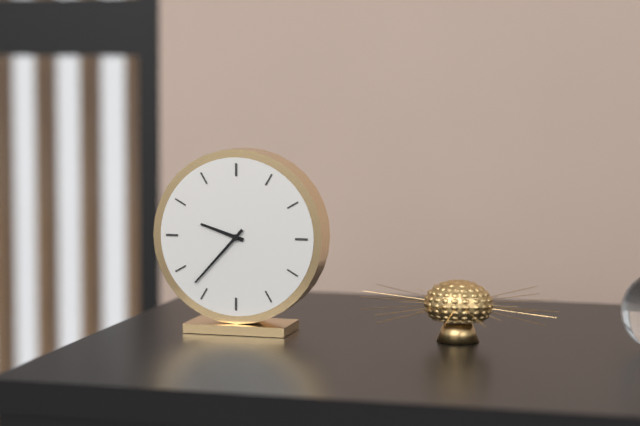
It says 9:37
